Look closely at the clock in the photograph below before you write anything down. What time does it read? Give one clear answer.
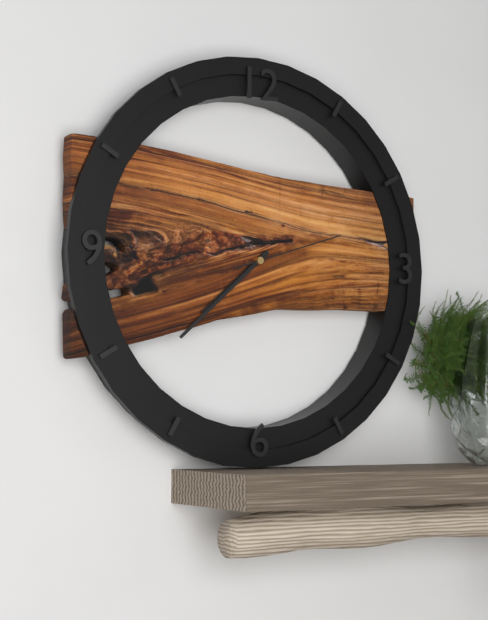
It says 7:38:12
